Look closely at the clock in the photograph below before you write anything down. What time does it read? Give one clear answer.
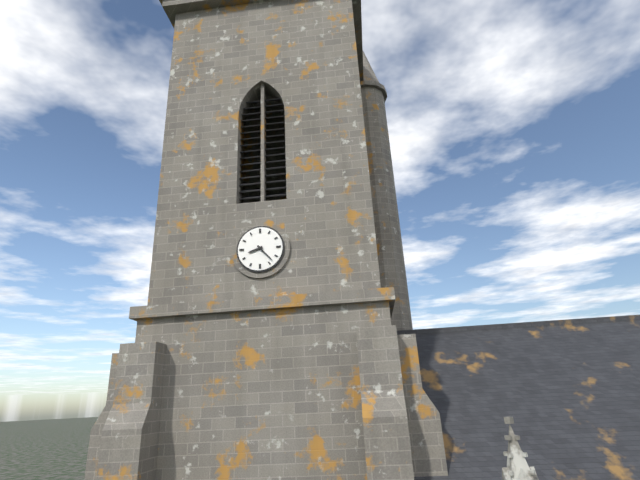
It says 8:23
